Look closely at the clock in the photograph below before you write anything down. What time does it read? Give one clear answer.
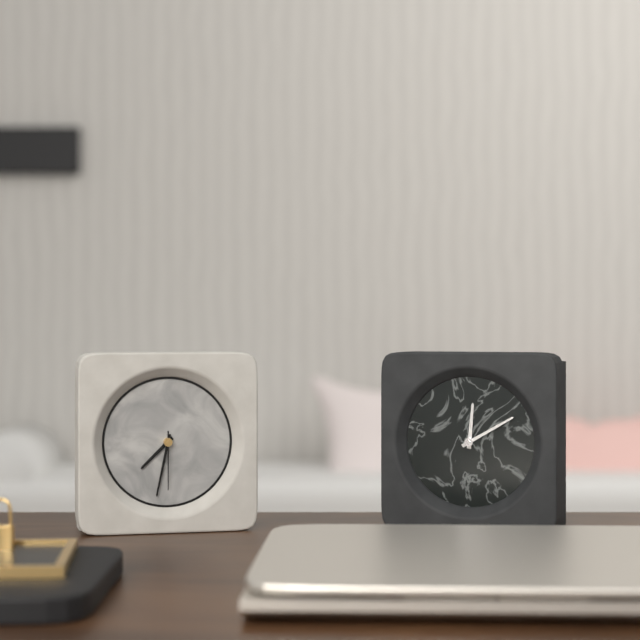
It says 7:32:30
